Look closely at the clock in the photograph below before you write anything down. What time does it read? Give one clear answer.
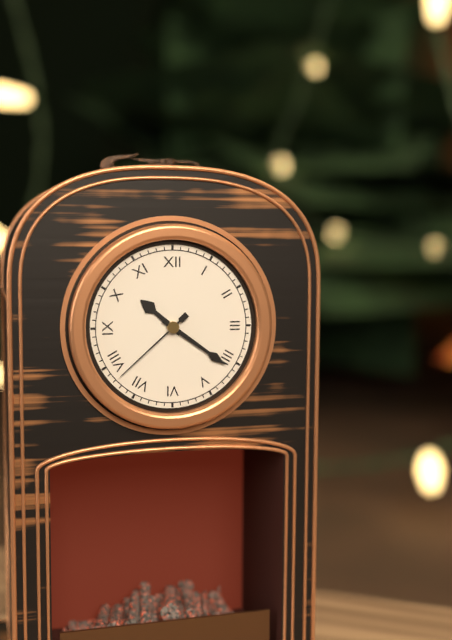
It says 10:21:38
